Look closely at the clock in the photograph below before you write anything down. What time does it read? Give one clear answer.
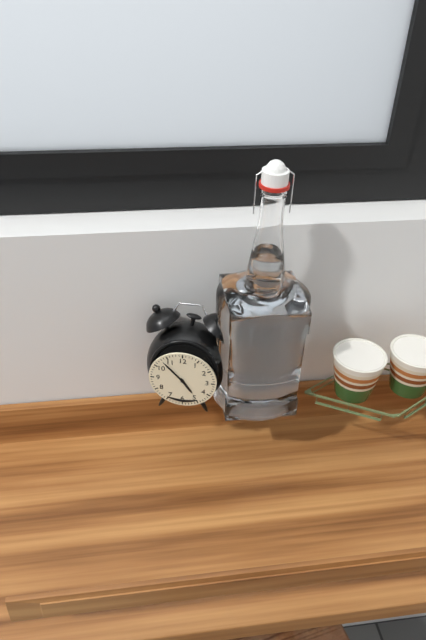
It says 4:53
